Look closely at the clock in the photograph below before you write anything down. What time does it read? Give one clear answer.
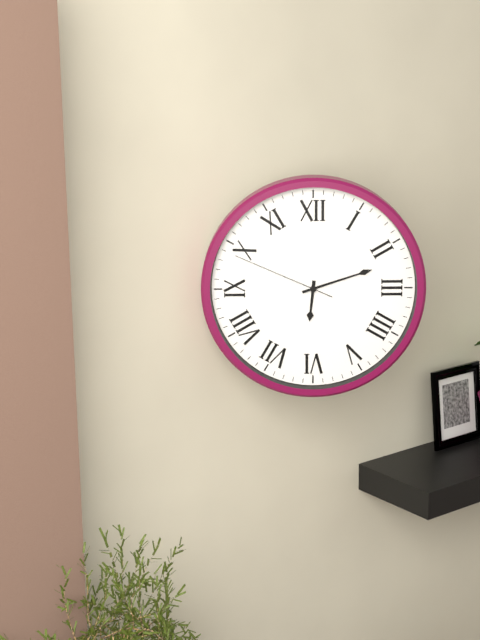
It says 6:12:49
